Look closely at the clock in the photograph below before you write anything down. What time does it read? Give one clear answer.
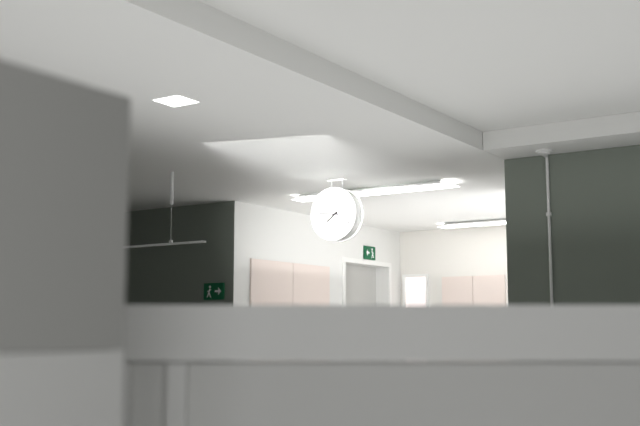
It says 7:46
